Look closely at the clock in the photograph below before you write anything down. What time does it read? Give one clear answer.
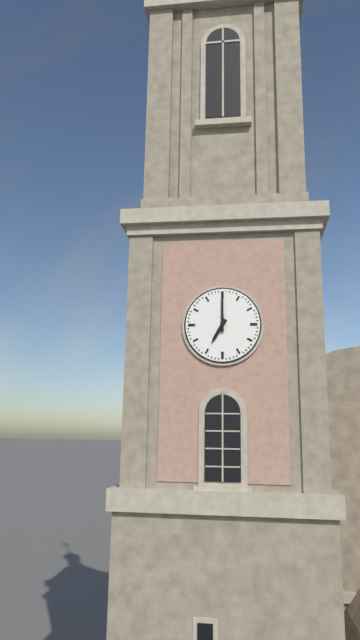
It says 7:00
